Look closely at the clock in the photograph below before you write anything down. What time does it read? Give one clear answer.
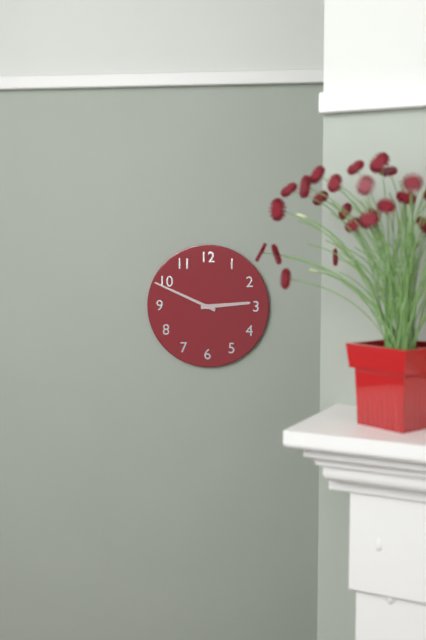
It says 2:49
